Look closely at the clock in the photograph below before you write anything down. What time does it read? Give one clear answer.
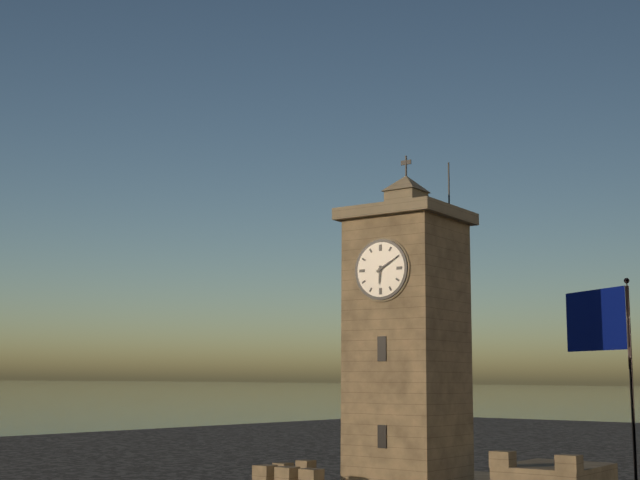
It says 6:10
